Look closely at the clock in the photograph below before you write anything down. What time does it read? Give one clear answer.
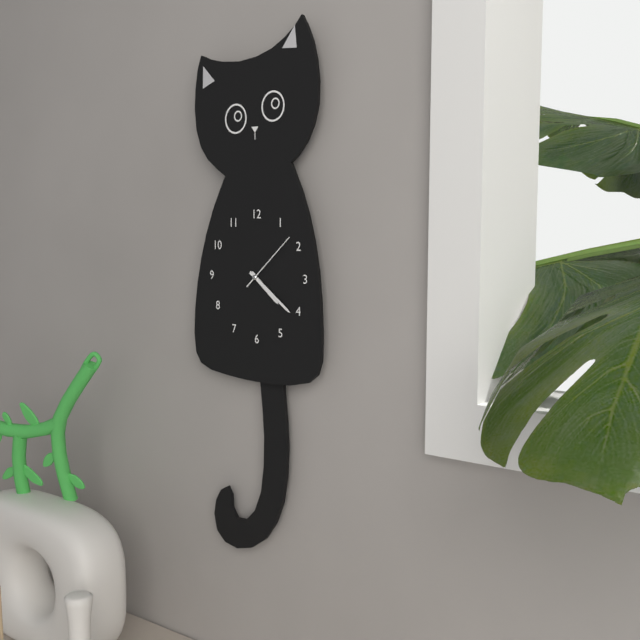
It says 4:21:08
